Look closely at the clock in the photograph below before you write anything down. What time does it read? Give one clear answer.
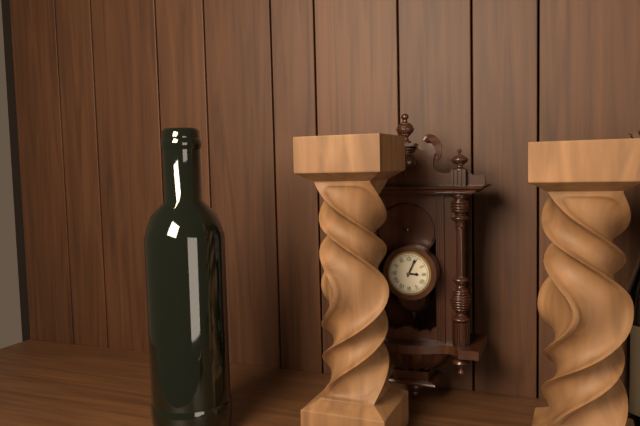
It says 3:04
